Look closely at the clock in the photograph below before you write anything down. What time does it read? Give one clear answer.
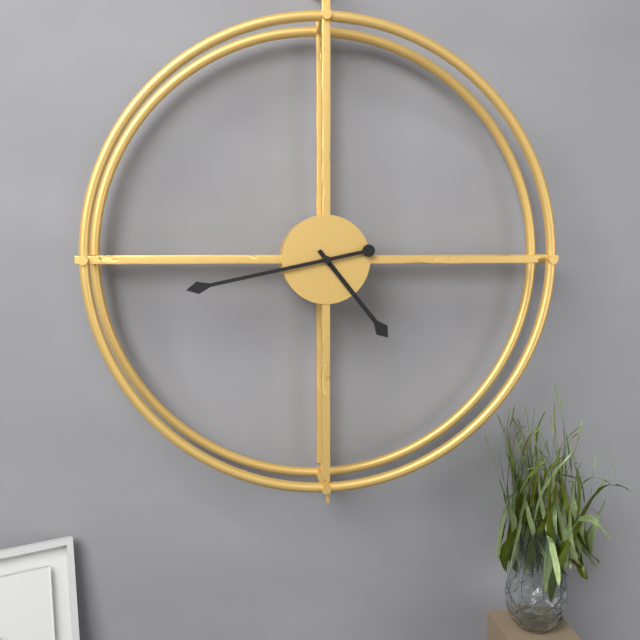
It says 4:43
